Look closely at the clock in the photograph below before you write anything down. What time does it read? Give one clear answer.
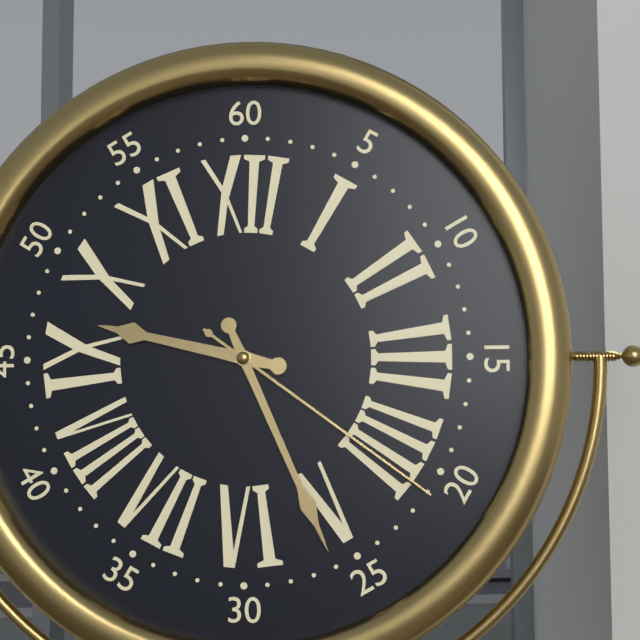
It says 9:26:21
